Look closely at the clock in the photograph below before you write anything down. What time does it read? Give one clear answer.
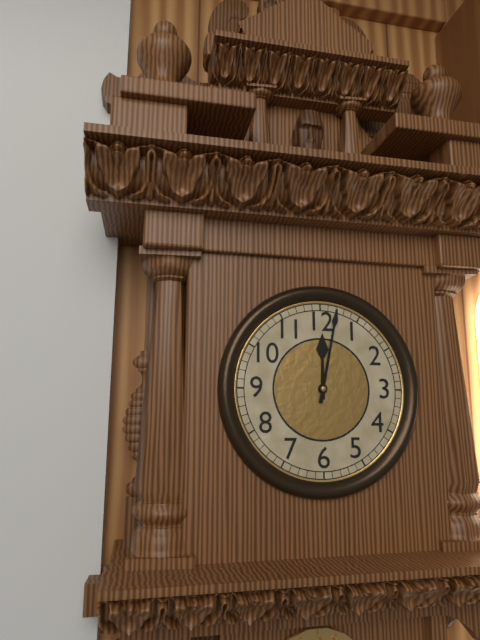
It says 12:02
